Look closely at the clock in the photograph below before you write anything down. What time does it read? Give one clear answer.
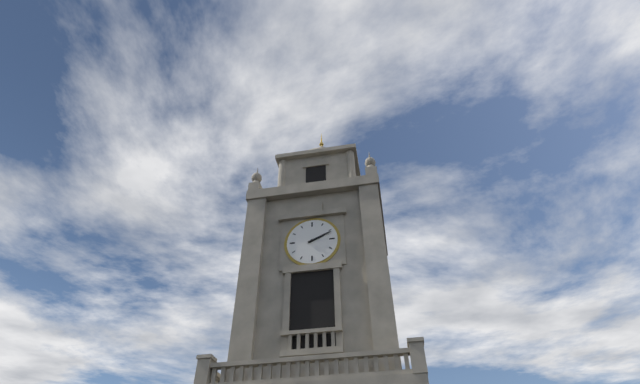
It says 2:11
